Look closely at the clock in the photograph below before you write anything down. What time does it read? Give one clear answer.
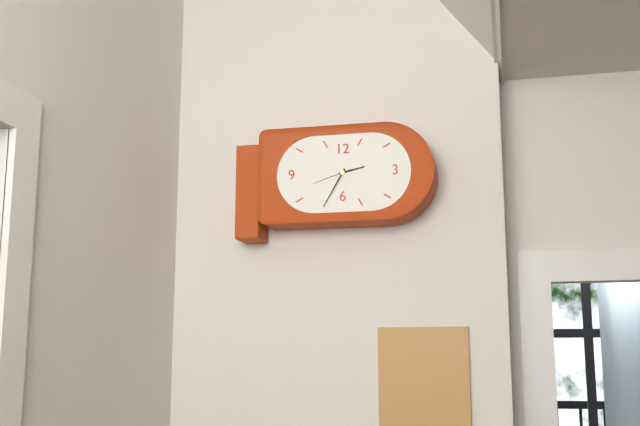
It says 2:35
